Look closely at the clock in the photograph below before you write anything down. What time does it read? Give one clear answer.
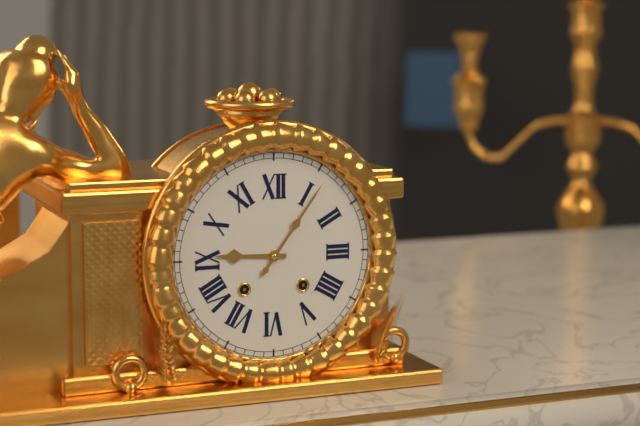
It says 9:06
